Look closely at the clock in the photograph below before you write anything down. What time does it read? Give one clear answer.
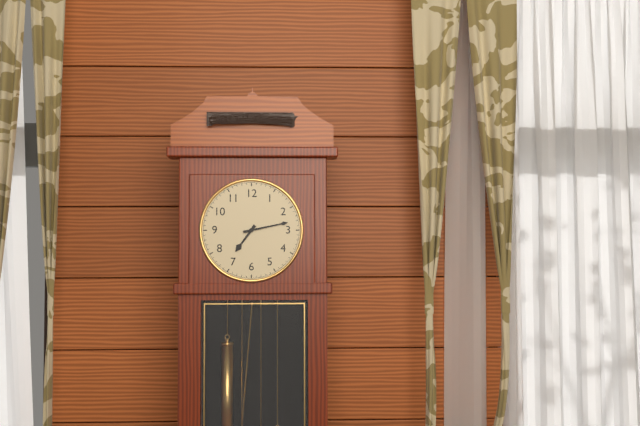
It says 7:13
